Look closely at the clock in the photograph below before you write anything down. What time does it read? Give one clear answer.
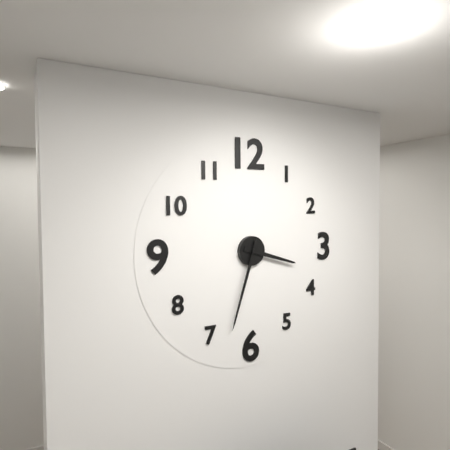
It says 3:33
